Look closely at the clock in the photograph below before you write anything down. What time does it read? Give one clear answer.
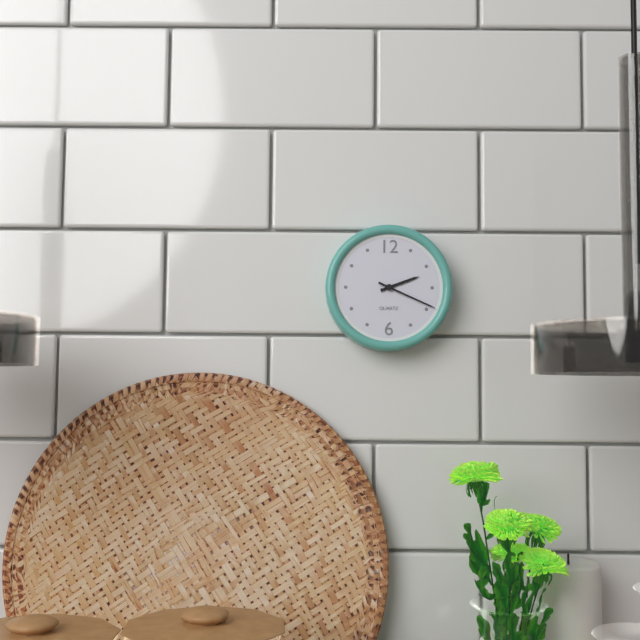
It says 2:19
